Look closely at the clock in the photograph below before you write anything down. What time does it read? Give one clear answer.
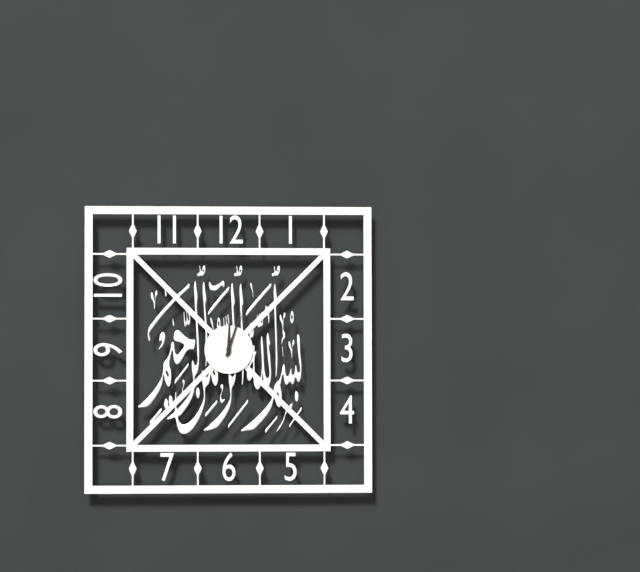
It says 12:03
